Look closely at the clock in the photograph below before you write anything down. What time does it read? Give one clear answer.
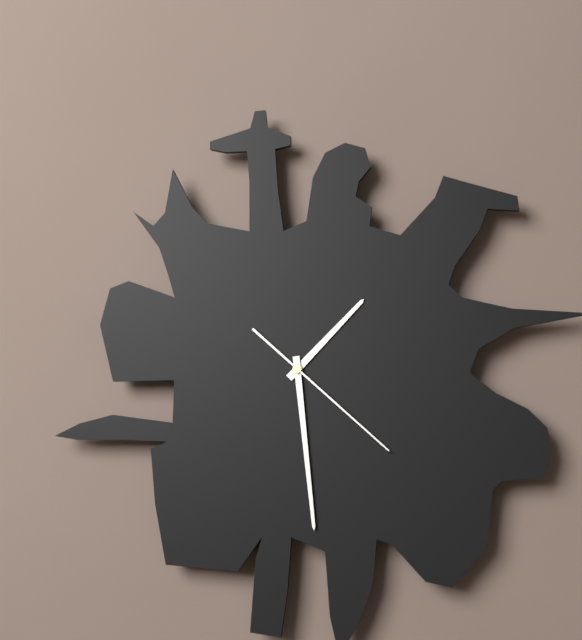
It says 1:29:22
